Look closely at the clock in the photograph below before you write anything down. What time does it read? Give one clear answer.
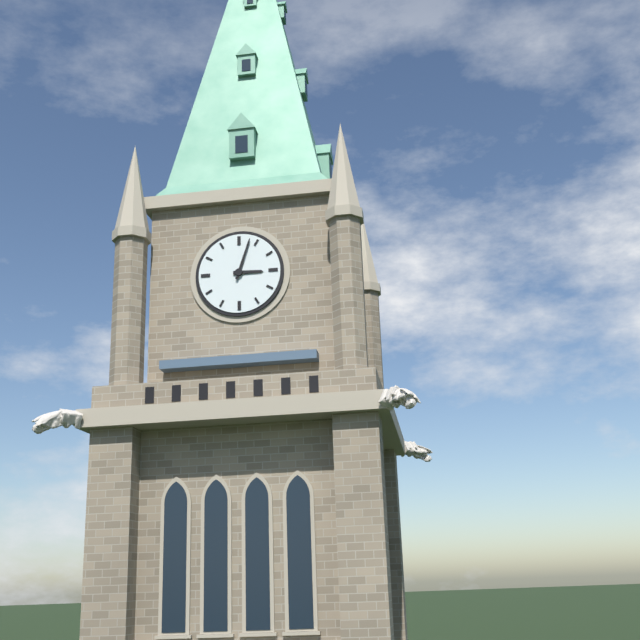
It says 3:03
